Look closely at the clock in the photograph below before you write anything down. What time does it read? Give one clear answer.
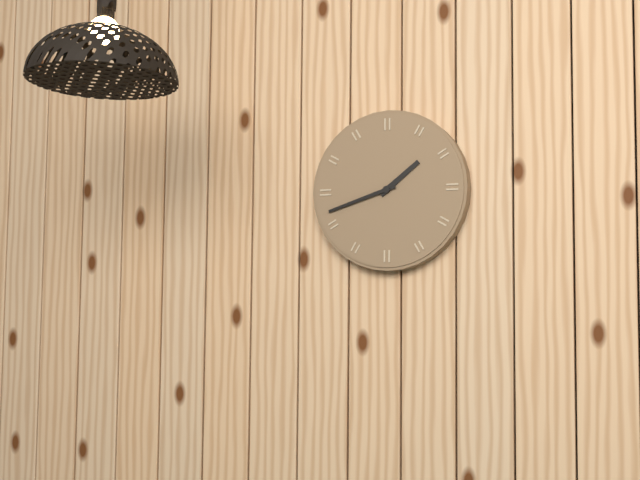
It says 1:42
